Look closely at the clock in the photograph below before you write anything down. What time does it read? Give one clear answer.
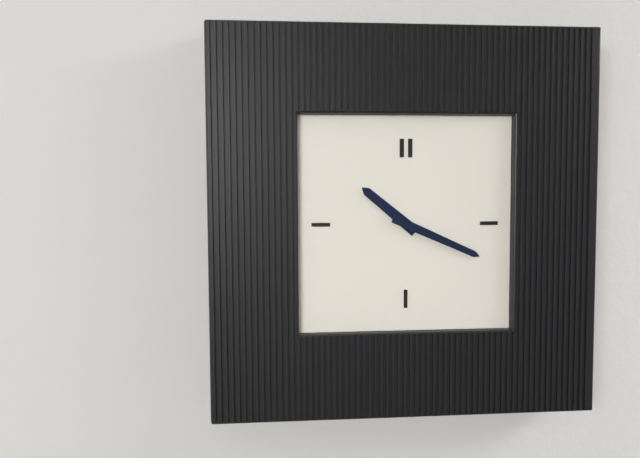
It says 10:19
